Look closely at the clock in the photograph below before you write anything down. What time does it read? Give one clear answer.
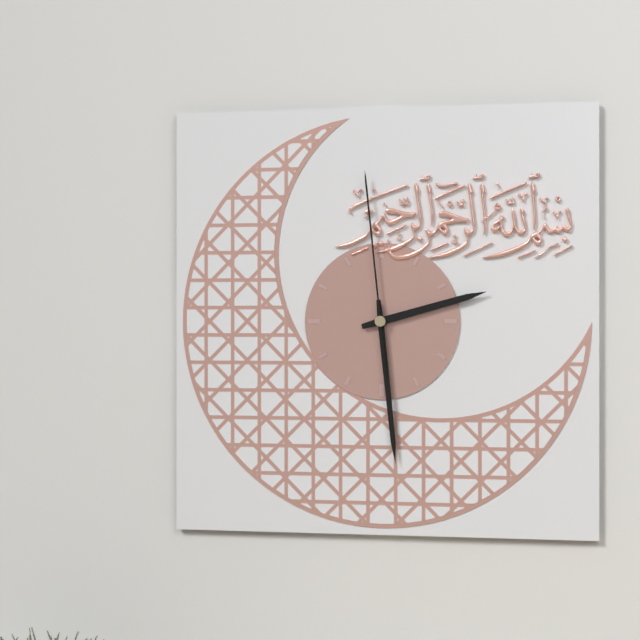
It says 2:29:59
